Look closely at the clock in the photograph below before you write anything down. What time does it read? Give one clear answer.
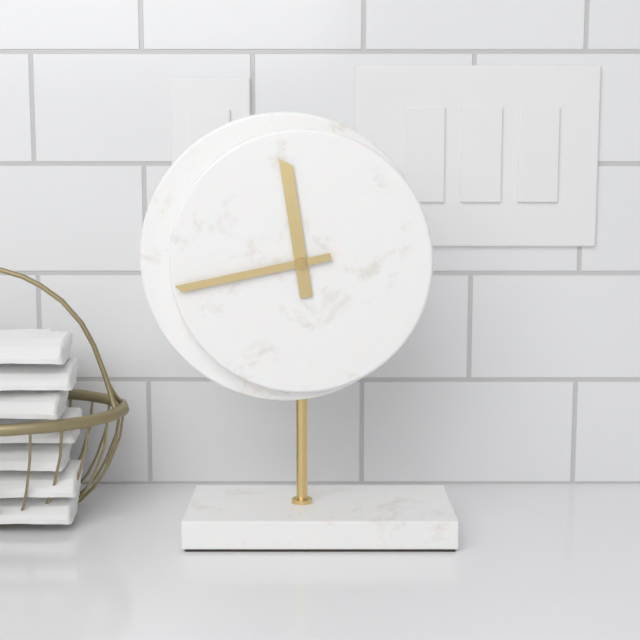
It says 11:43
